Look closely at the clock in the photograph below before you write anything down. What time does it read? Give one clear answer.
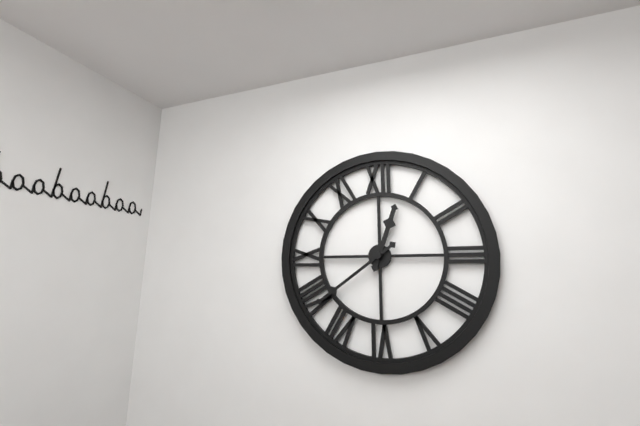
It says 12:39
